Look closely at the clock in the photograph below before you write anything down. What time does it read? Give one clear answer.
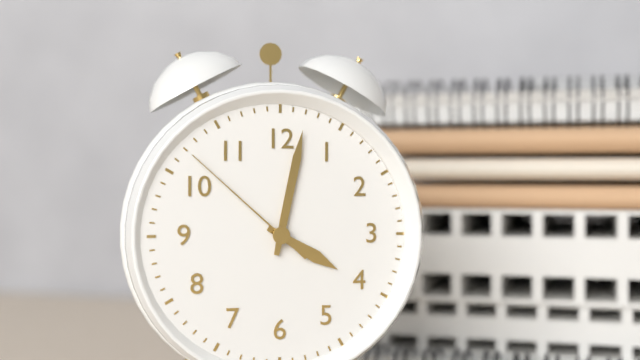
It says 4:02:52
